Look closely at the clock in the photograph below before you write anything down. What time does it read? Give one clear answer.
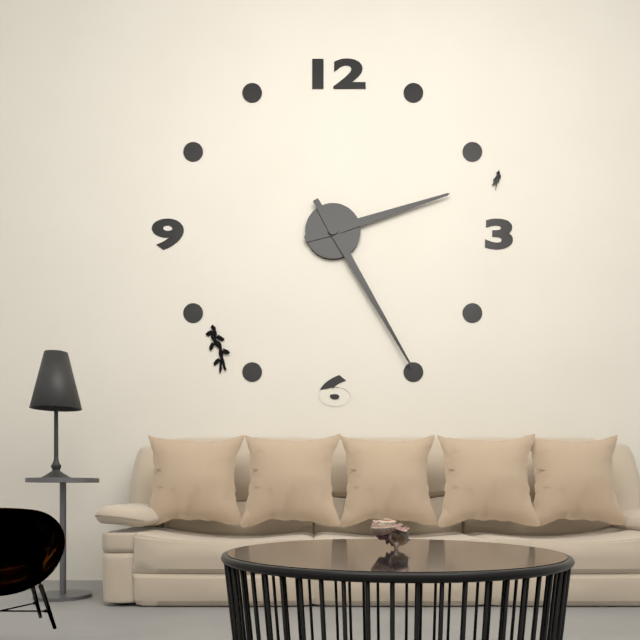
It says 2:25
